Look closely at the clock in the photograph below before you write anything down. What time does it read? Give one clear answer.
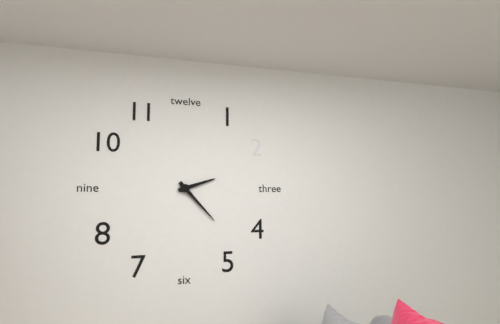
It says 2:23
